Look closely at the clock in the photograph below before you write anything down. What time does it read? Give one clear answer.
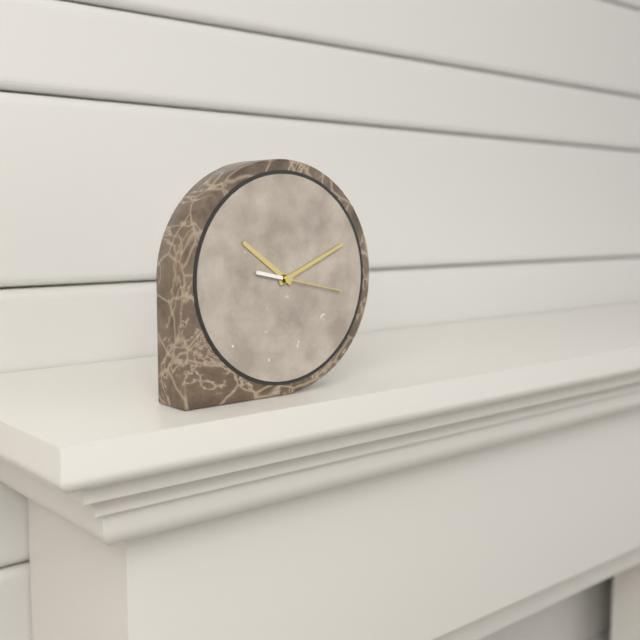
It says 10:11:17
